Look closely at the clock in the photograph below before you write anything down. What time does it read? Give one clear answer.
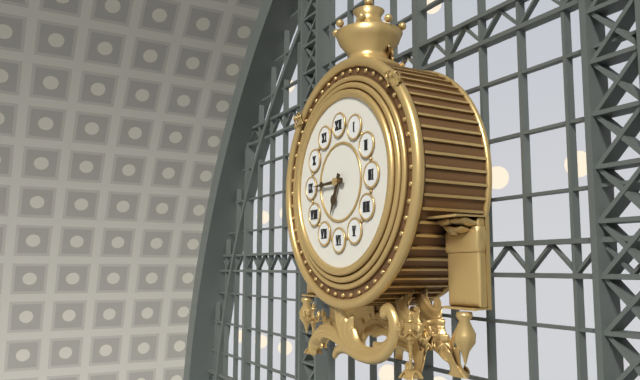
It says 6:45
